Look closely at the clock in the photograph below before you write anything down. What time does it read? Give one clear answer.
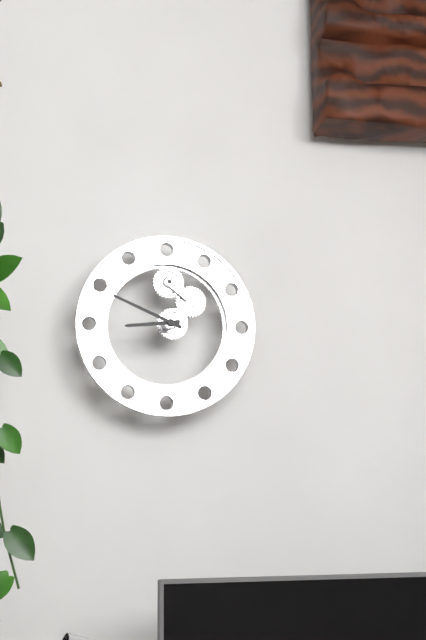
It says 8:49
